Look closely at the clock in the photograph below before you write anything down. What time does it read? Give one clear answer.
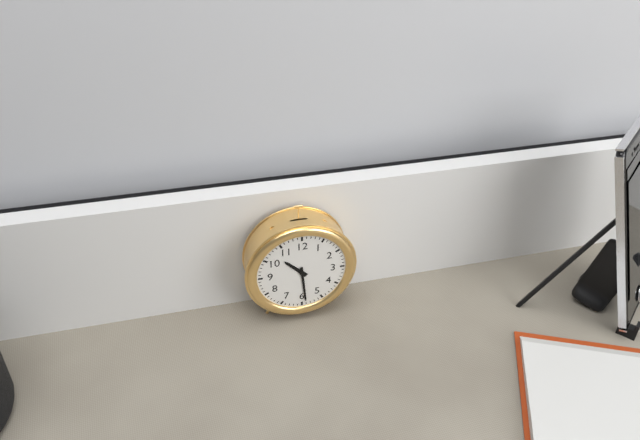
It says 10:29
